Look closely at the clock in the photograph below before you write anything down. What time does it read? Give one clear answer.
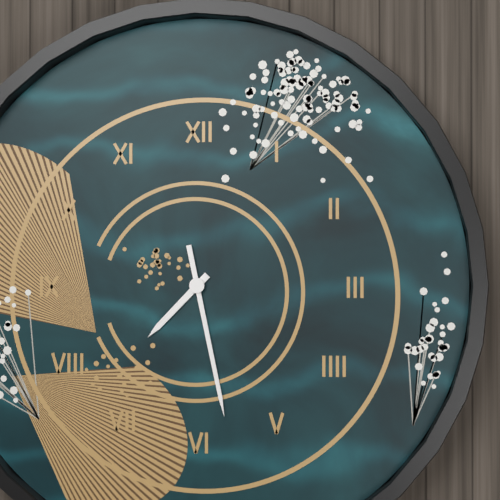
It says 7:28
